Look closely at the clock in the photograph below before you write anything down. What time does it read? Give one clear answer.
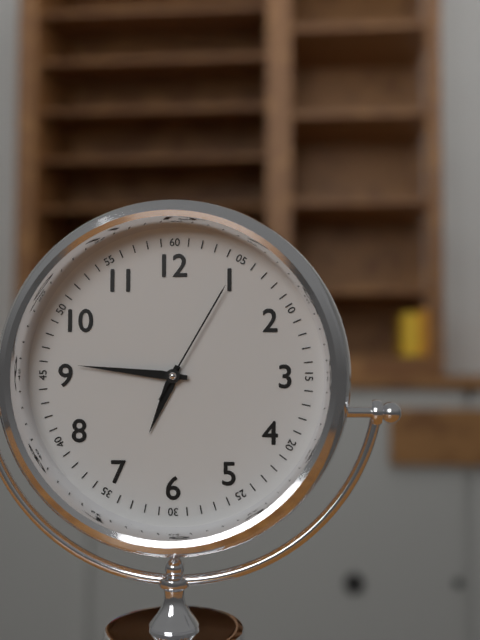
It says 6:46:05
